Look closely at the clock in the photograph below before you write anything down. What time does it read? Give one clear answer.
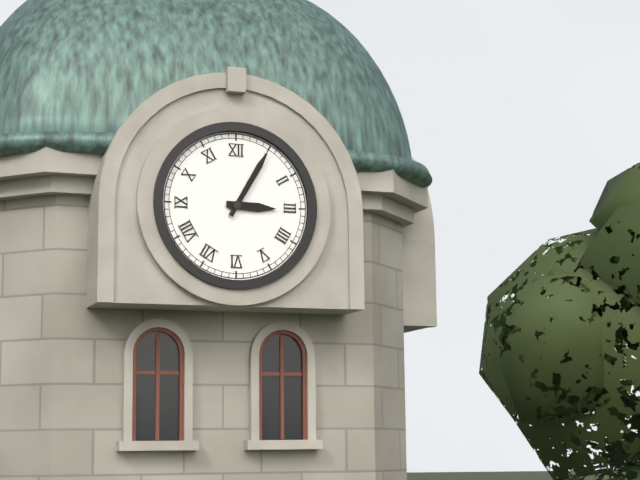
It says 3:05
